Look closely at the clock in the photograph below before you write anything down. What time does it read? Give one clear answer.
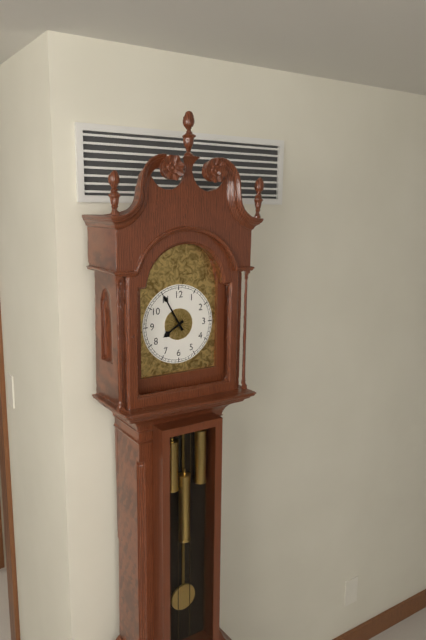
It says 7:55
